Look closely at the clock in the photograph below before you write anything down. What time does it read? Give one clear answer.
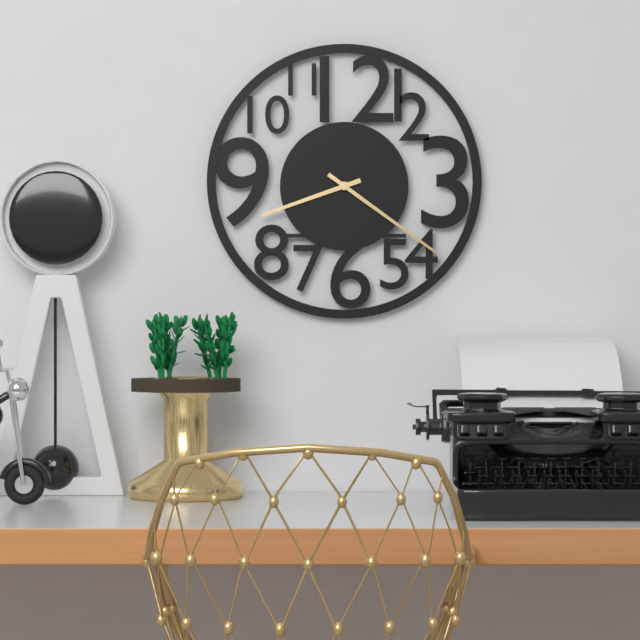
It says 8:21
